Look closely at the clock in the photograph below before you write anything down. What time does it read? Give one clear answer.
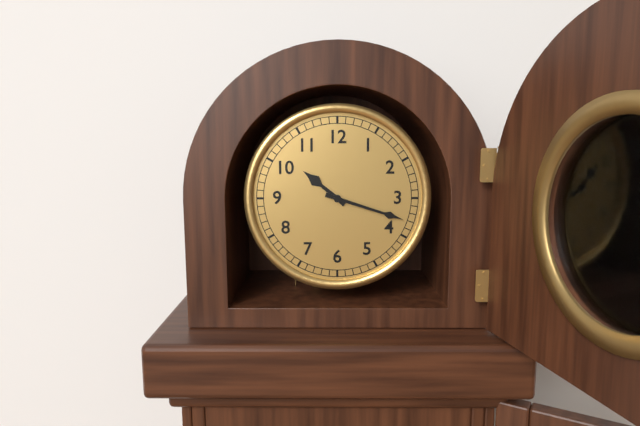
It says 10:18
